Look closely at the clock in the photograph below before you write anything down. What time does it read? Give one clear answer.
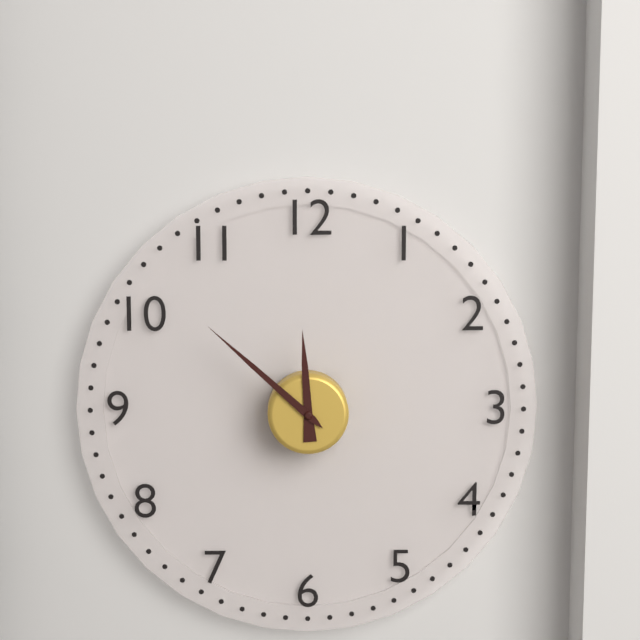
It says 11:52
